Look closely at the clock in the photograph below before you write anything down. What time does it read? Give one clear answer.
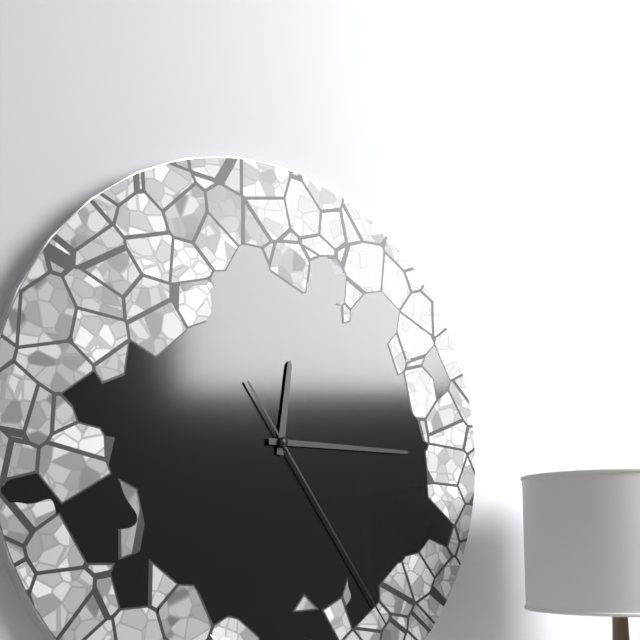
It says 12:15:24
